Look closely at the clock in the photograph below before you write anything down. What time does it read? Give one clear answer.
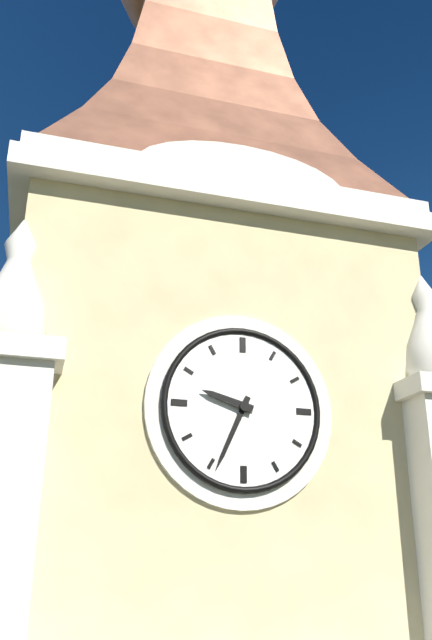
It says 9:34
